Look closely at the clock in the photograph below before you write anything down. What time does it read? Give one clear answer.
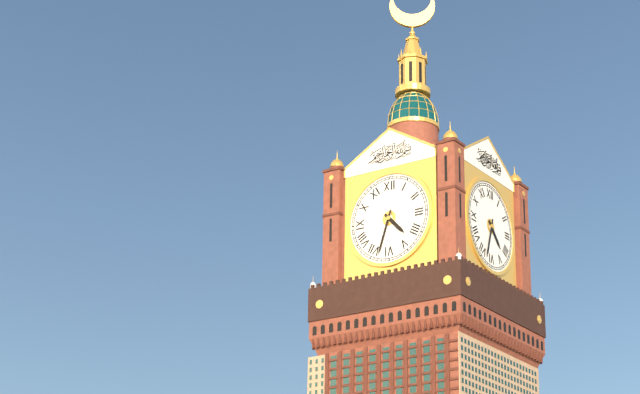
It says 4:33
